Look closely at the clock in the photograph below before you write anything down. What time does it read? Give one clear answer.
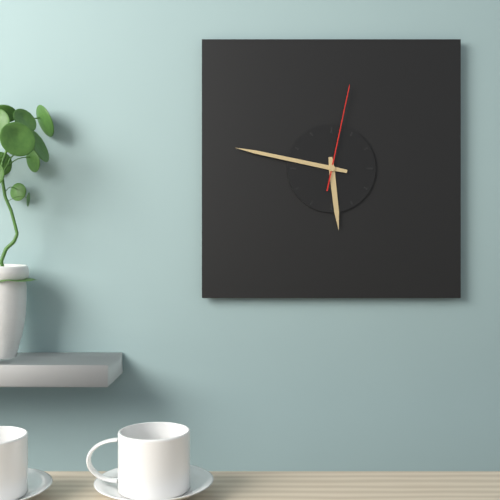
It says 5:47:02
